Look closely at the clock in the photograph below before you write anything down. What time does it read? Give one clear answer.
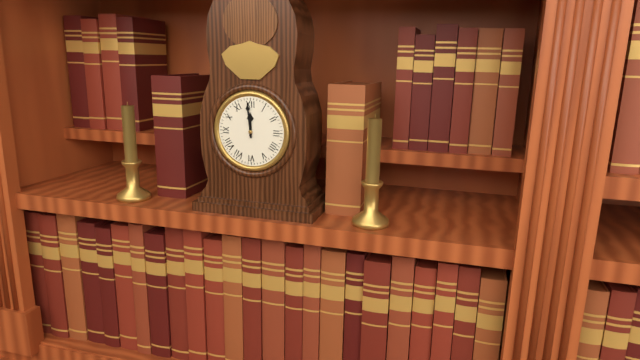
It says 11:59
